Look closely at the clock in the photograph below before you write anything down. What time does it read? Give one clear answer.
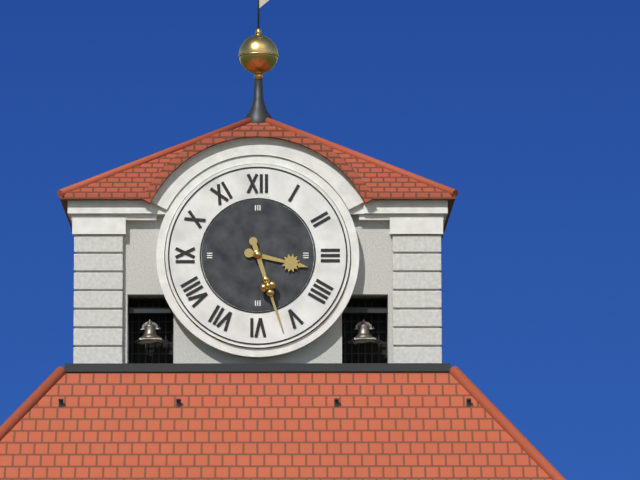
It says 3:27
